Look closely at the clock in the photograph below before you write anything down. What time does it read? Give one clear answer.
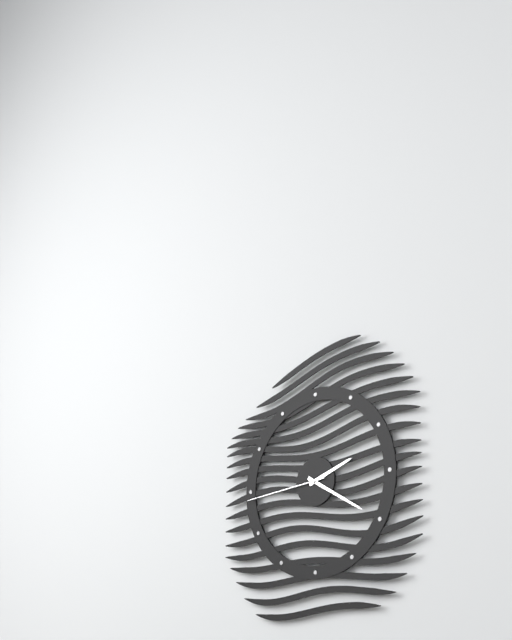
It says 2:20:44
